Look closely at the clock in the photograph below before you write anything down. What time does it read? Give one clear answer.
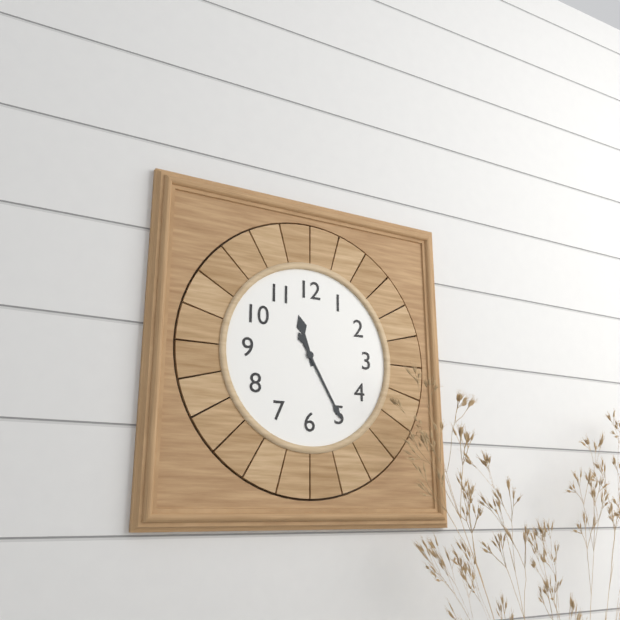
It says 11:25
